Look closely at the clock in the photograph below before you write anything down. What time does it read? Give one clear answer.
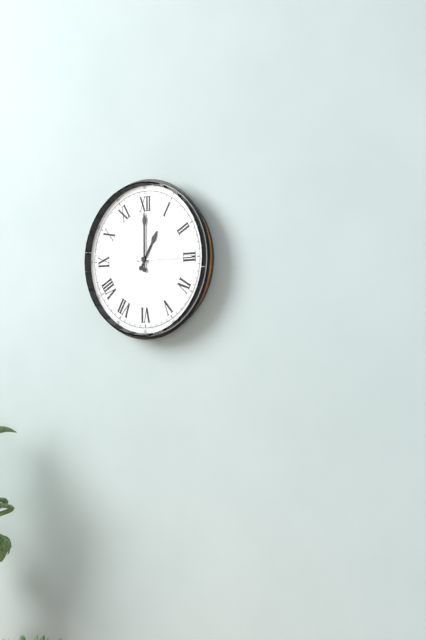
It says 1:00:15
